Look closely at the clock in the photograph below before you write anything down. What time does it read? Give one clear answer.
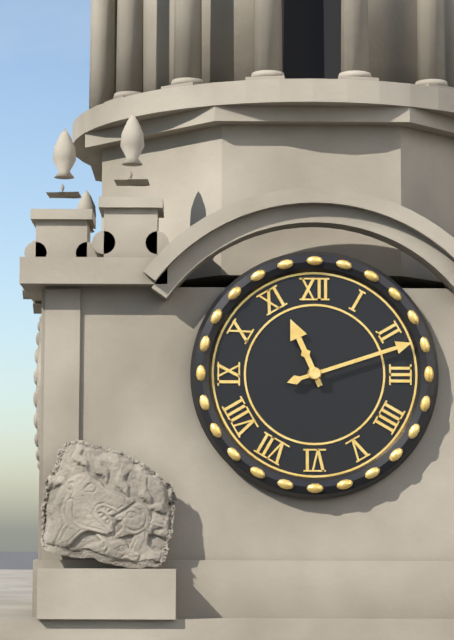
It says 11:12
